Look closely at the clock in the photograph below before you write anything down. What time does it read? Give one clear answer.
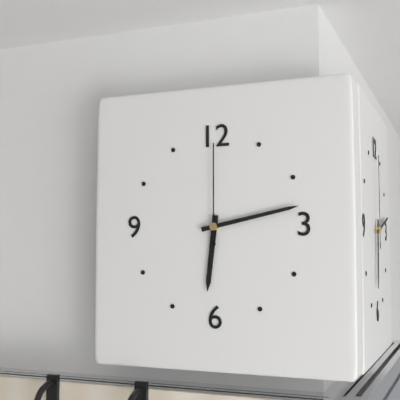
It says 6:13:00
